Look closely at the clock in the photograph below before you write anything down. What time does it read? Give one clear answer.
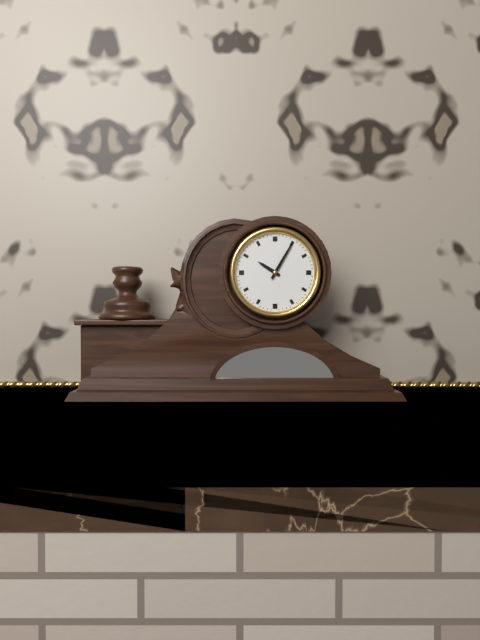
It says 10:05
